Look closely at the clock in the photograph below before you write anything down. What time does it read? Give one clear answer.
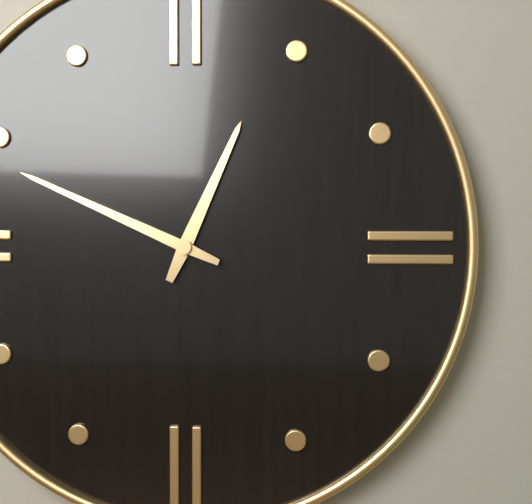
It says 12:49
